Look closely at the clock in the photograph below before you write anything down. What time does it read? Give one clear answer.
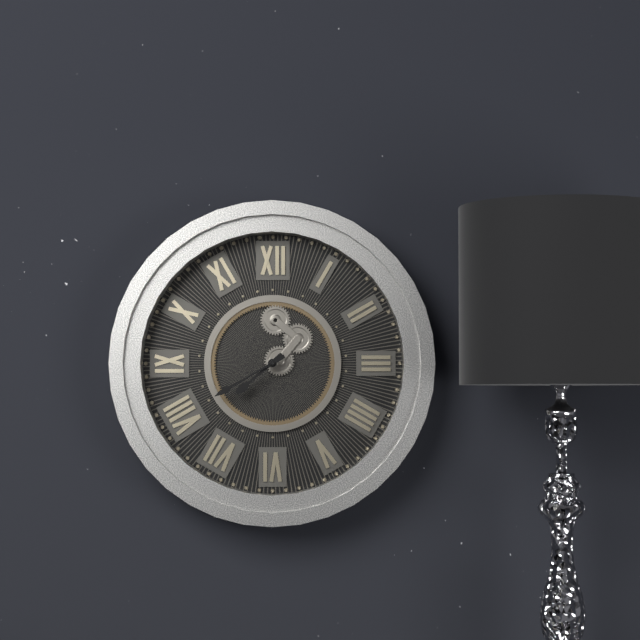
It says 7:40
